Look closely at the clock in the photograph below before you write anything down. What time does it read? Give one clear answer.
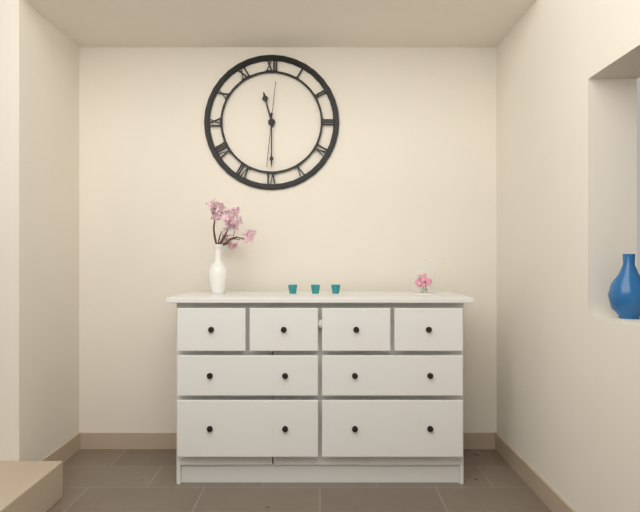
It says 11:30:31
